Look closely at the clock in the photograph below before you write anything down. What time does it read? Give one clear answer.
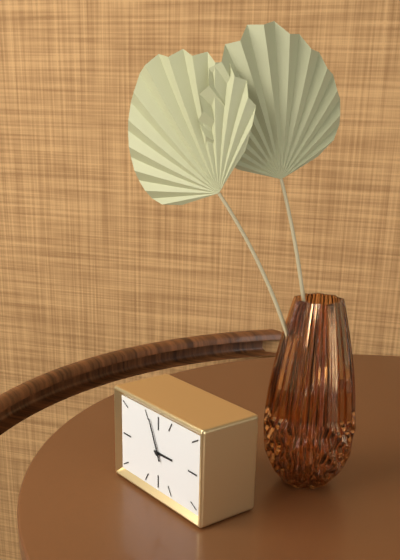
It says 2:56
